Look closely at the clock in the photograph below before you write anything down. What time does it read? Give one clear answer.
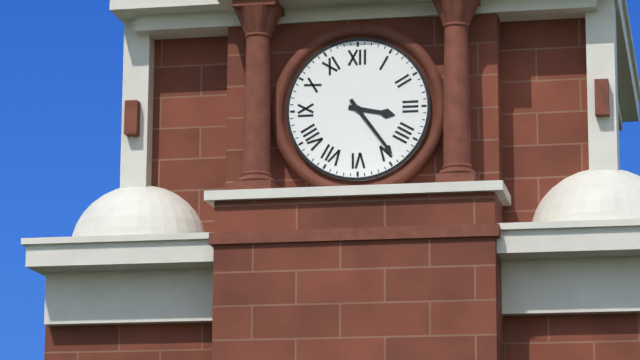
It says 3:24
